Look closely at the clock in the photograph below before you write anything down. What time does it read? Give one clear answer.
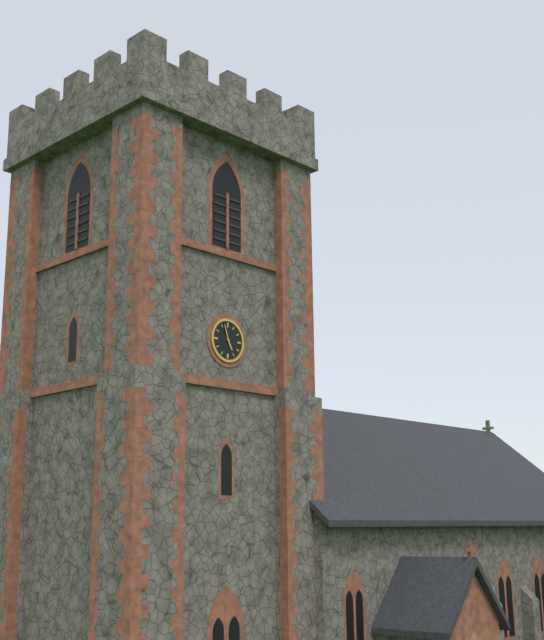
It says 4:57
